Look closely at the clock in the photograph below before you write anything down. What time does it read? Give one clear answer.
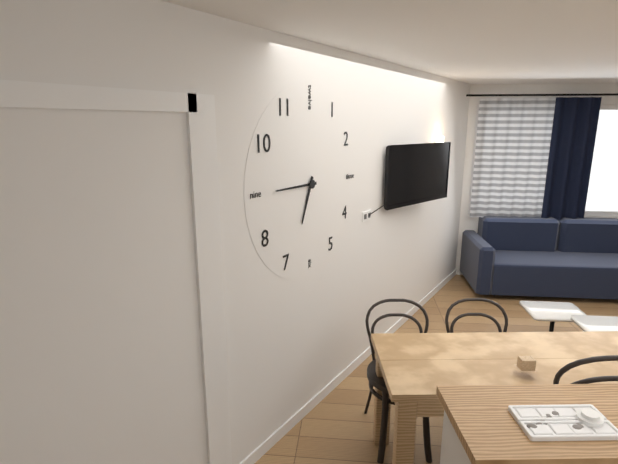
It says 6:45
